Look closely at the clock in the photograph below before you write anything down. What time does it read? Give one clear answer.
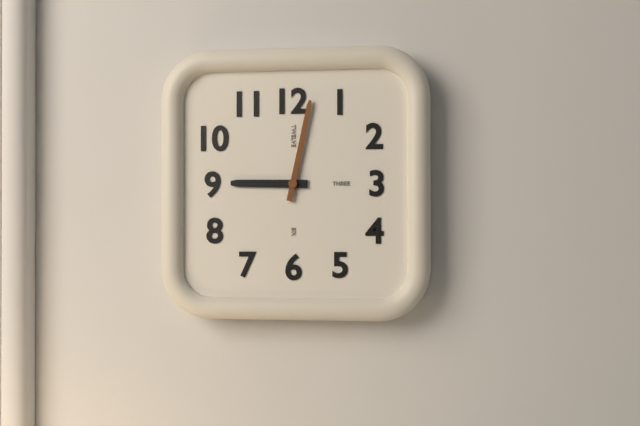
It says 9:02
